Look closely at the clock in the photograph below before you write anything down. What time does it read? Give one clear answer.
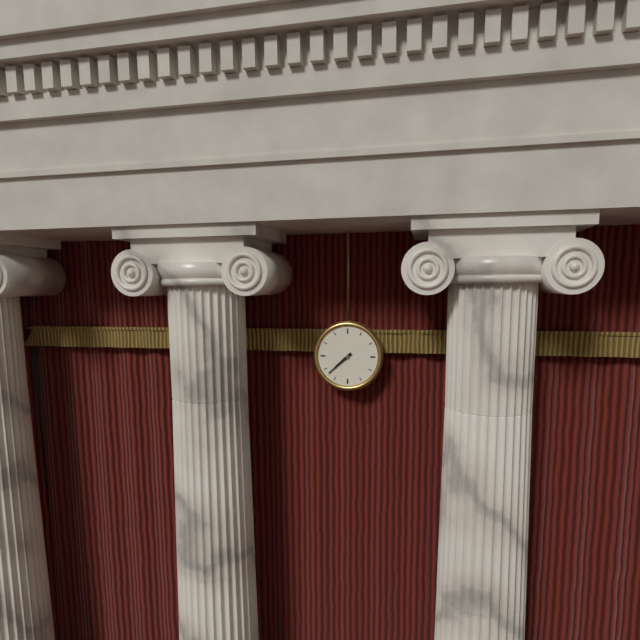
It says 7:38
